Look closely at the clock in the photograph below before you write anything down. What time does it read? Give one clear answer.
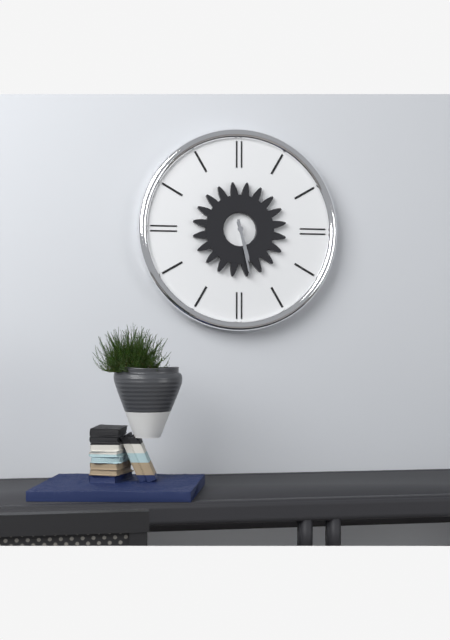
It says 5:28
